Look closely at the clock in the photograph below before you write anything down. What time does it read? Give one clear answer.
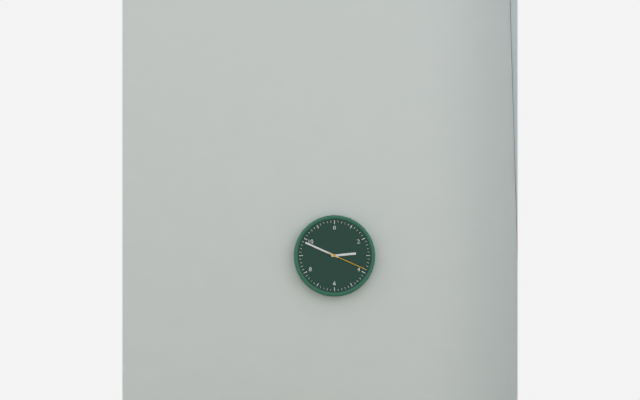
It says 2:49
